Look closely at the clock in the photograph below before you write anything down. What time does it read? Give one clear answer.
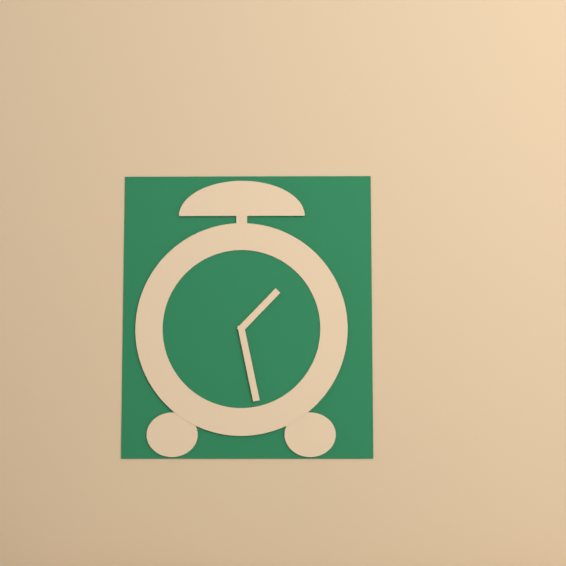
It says 1:28
